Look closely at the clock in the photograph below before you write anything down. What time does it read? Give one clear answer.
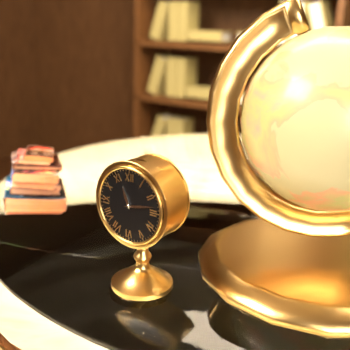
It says 11:13
